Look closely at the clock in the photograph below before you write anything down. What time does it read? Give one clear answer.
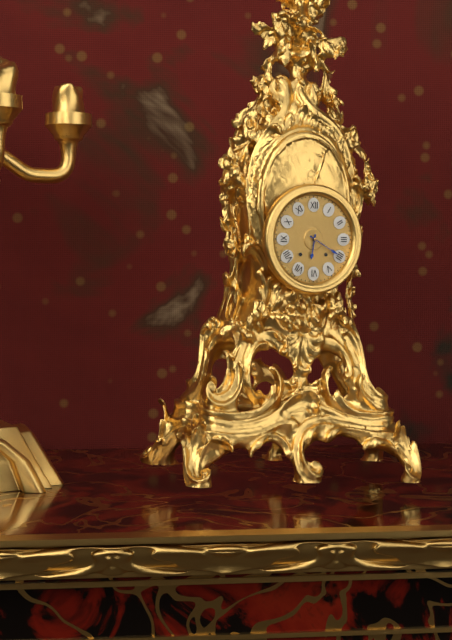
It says 6:20
